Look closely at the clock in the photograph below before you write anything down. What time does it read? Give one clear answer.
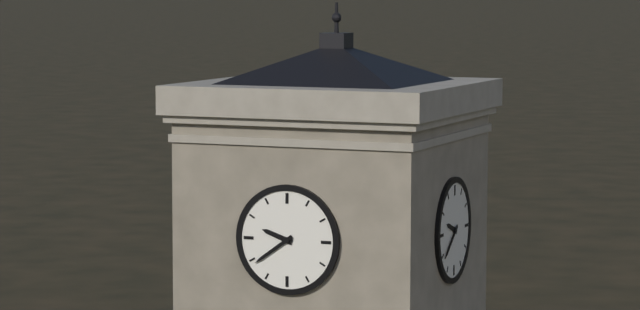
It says 9:39
